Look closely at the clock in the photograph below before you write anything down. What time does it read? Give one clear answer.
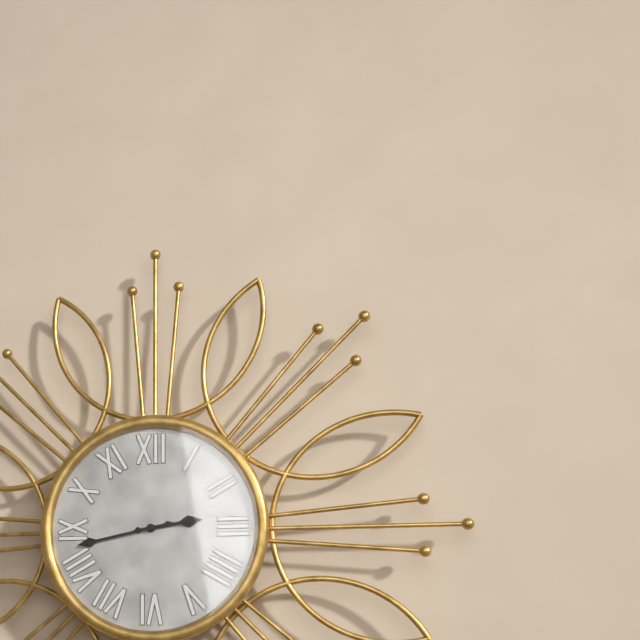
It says 2:43
